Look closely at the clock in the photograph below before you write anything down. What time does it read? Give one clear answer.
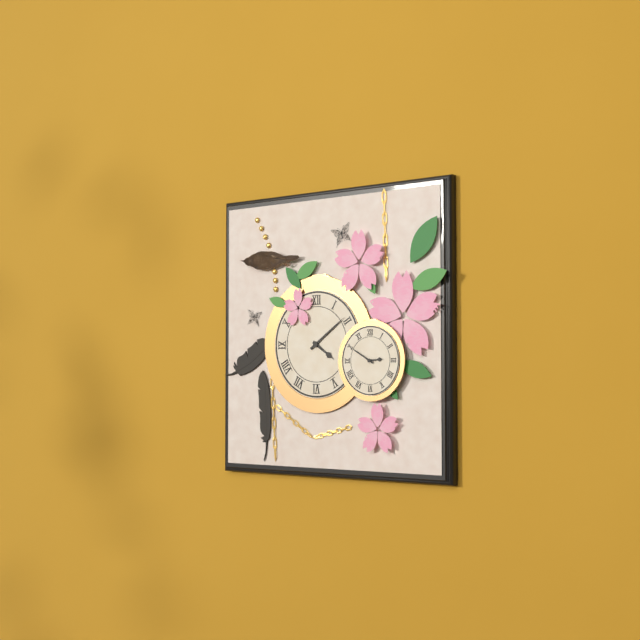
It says 4:09
